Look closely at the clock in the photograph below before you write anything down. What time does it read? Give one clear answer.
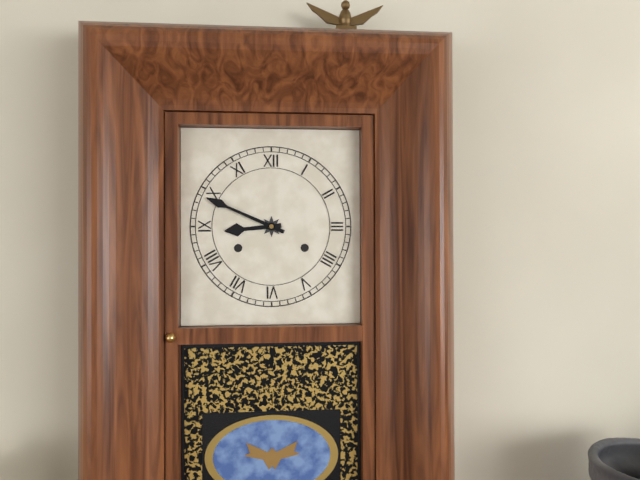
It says 8:49
